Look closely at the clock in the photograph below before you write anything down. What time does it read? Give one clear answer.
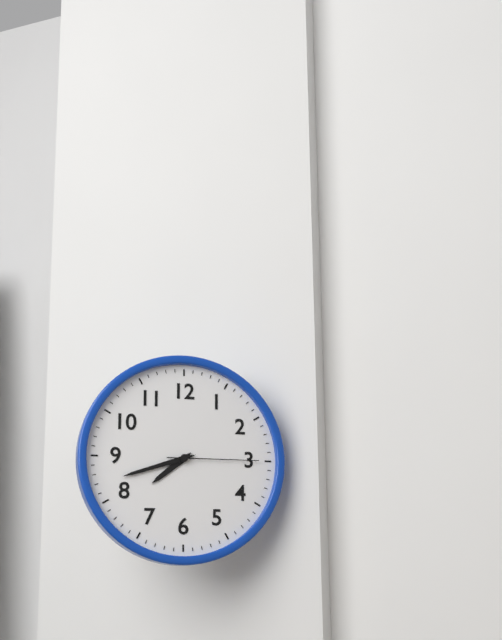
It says 7:42:15
